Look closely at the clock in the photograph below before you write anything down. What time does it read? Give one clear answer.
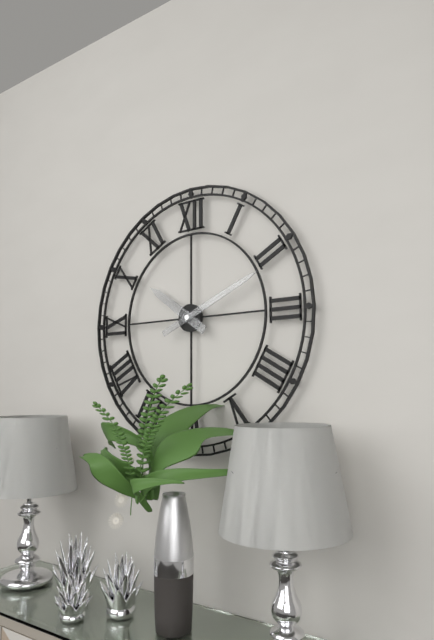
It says 10:11
